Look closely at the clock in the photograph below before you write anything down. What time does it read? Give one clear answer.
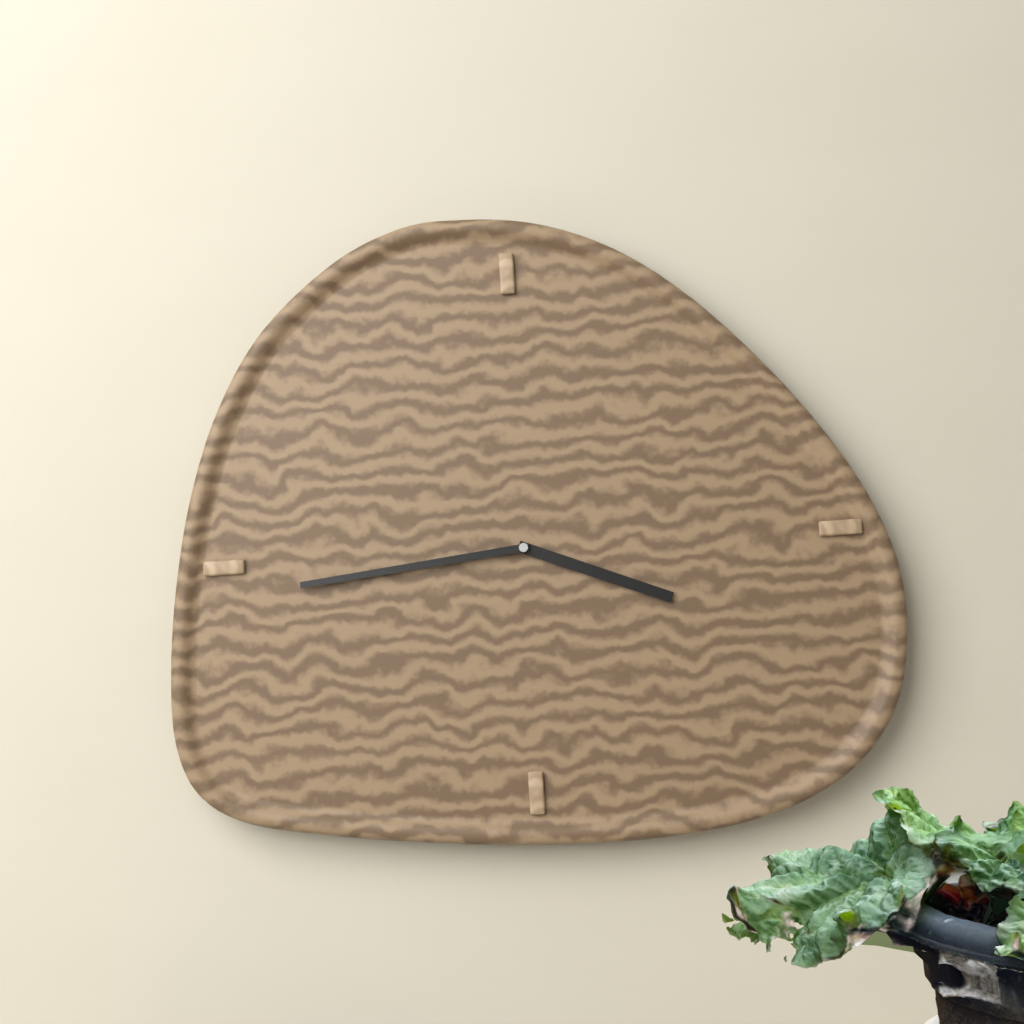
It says 3:44
